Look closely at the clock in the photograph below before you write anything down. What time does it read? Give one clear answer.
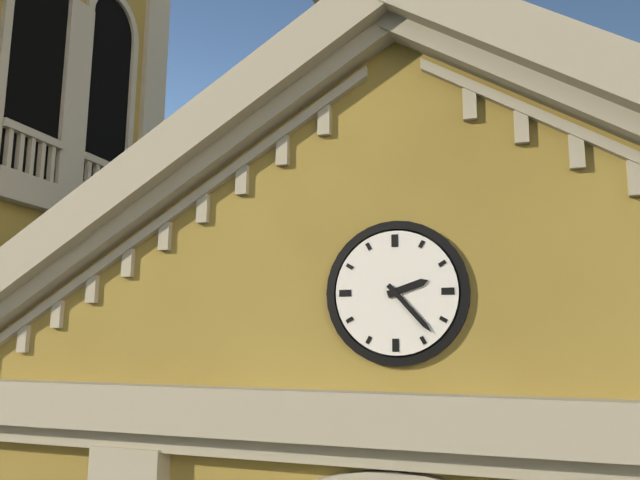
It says 2:23
